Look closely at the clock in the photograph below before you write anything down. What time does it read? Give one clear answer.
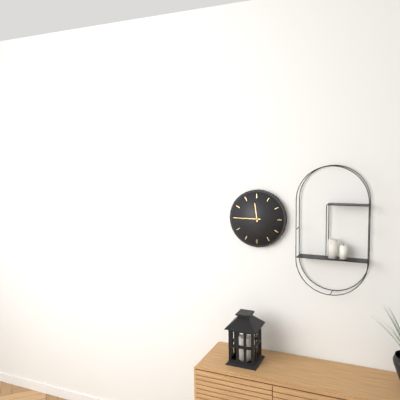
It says 11:45
